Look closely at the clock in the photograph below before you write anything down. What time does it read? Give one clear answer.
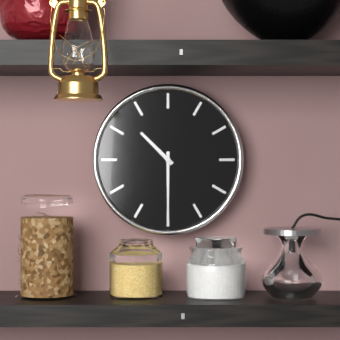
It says 10:30
